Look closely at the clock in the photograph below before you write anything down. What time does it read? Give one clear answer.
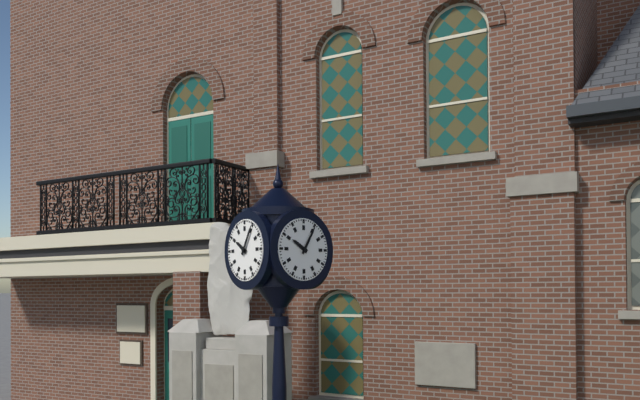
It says 10:05
